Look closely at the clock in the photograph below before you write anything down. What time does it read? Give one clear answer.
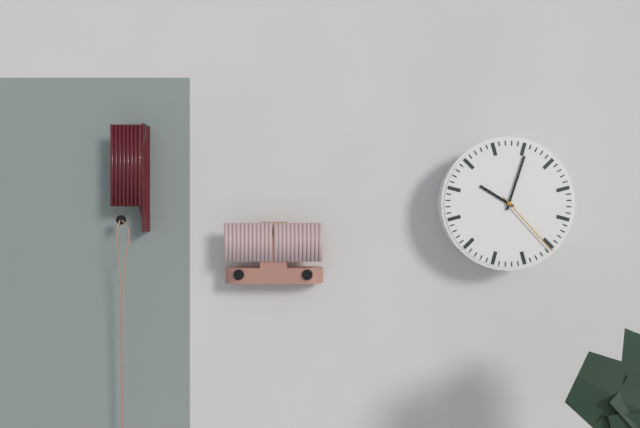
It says 10:03:23
